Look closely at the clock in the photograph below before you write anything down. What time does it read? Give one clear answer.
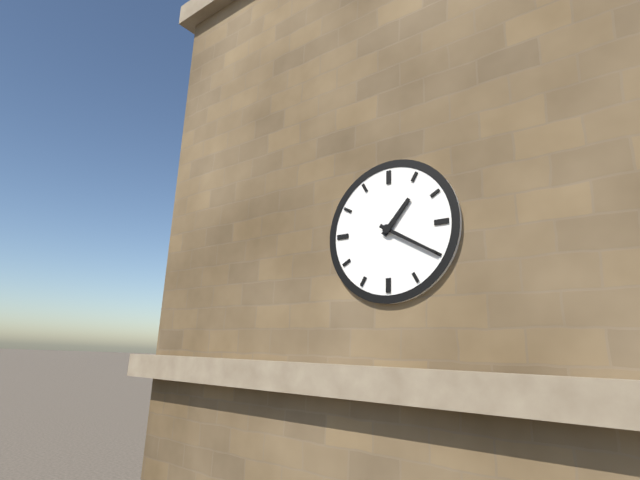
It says 1:20
